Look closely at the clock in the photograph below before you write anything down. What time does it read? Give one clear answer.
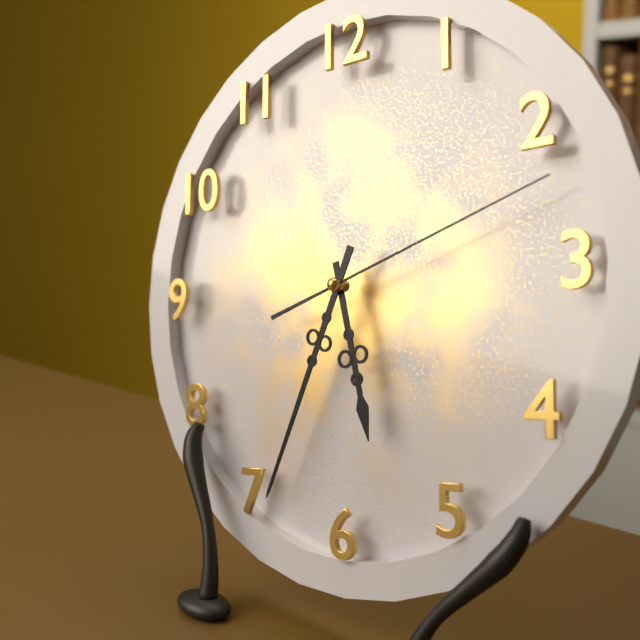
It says 5:34:12
